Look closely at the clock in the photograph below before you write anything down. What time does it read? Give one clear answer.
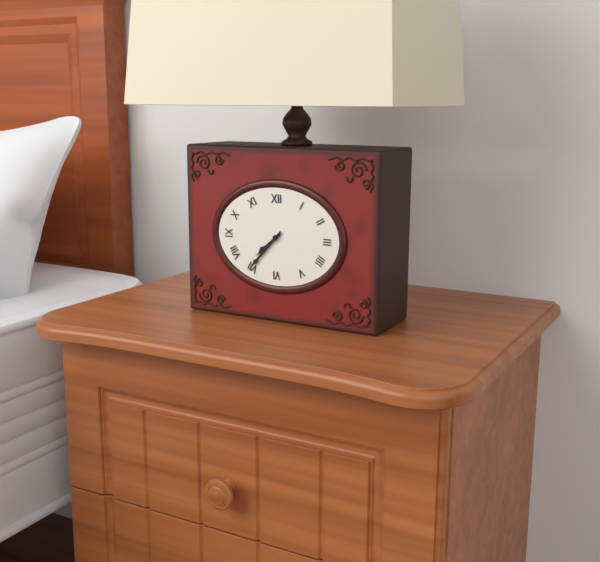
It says 7:37
